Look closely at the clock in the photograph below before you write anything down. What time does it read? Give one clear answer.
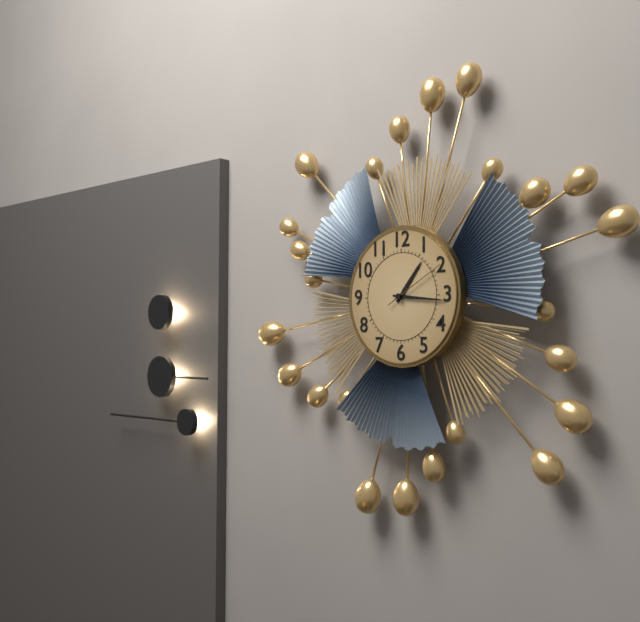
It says 1:16:10
